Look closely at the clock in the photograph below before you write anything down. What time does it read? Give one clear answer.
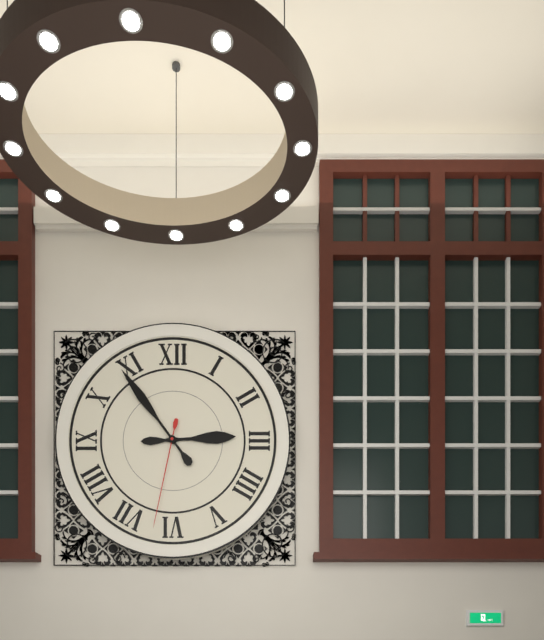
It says 2:54:32
